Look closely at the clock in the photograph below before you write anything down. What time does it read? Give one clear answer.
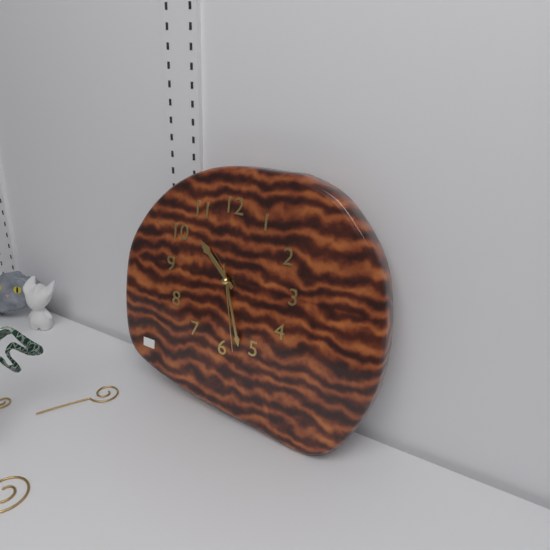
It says 10:27:28
